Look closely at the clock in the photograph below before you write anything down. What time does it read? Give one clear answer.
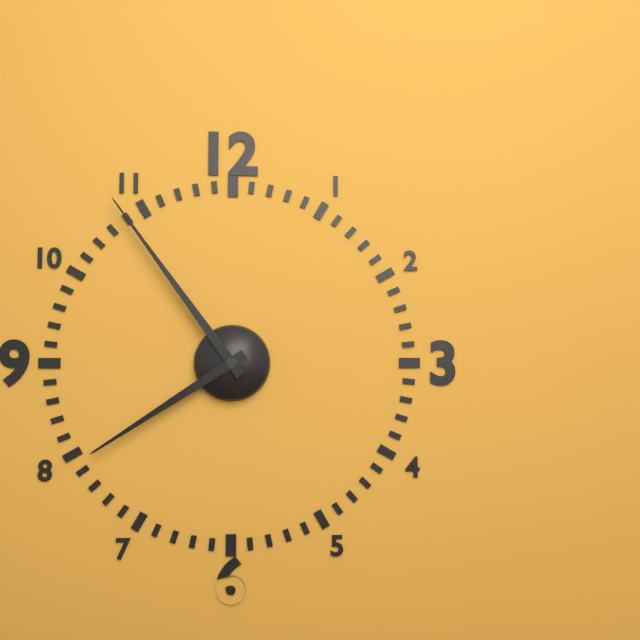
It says 7:54
